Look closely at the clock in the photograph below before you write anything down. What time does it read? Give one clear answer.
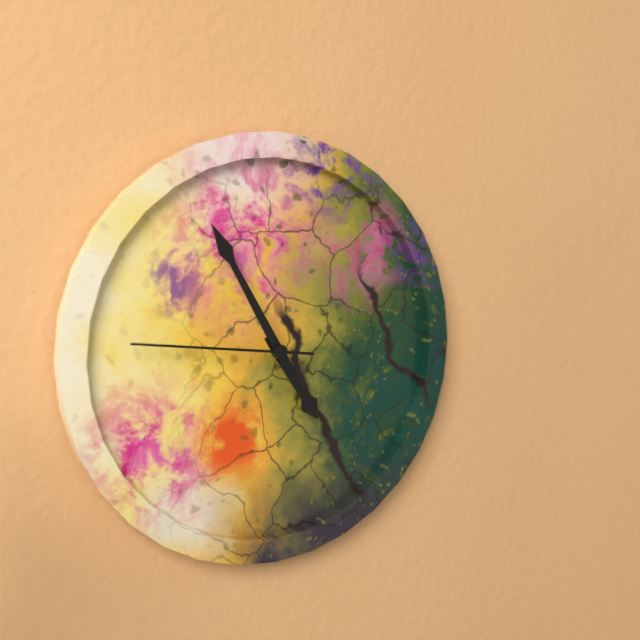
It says 4:55:46
